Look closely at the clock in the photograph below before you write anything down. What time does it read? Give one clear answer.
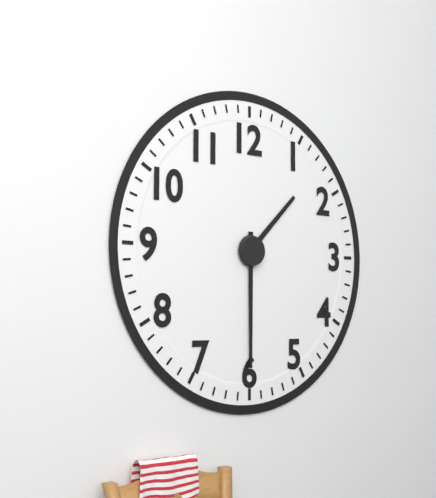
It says 1:30
